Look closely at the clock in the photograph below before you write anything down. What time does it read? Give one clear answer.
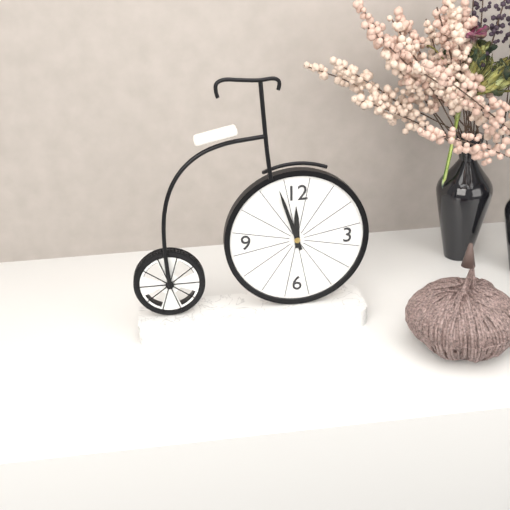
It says 11:57
